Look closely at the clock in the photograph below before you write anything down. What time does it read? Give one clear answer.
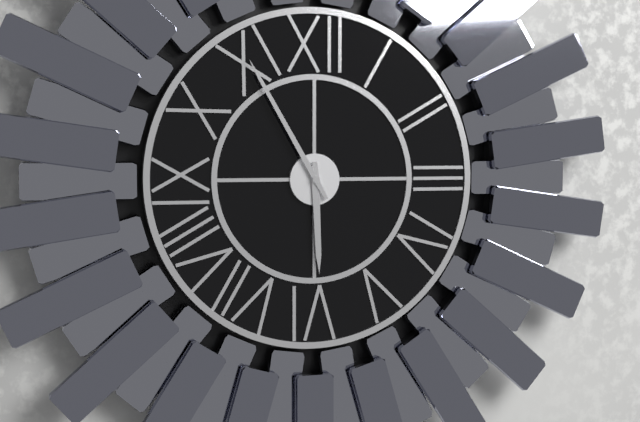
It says 5:55
